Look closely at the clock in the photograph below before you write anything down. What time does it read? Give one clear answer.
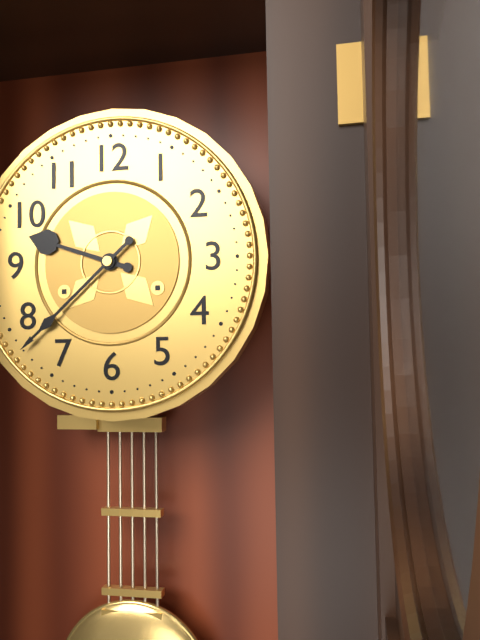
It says 9:38
